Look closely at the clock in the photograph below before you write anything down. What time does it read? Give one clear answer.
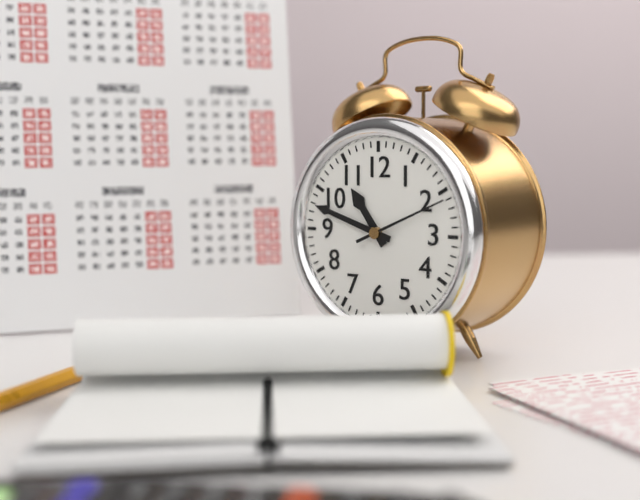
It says 10:48:11
